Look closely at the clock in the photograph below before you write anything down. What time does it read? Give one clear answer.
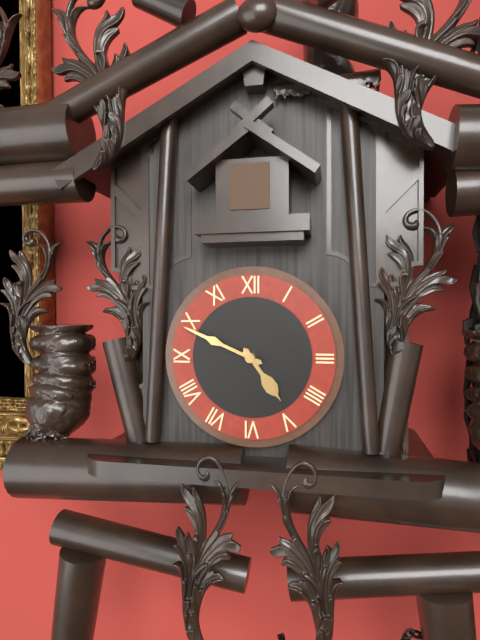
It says 4:49
